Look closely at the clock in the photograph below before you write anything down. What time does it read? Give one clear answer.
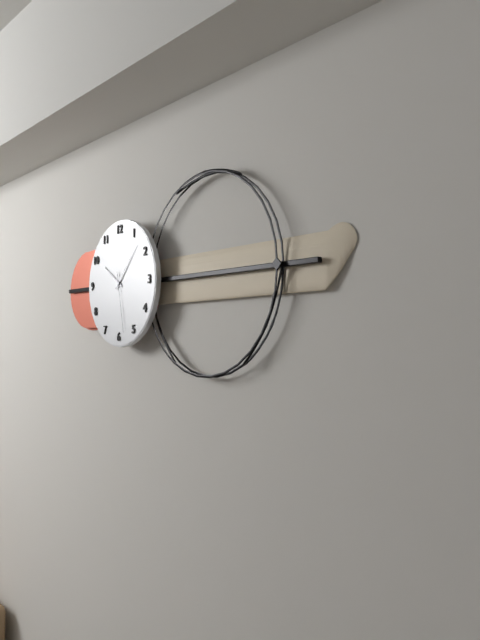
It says 10:07:28
